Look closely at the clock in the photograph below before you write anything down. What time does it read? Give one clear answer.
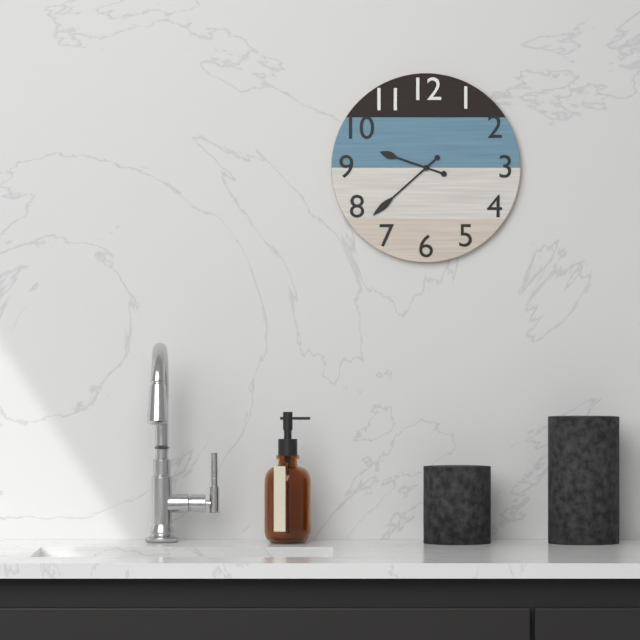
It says 9:38
